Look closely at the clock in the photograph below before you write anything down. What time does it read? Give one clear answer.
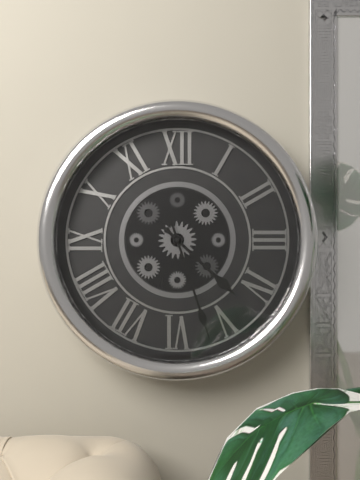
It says 4:27
